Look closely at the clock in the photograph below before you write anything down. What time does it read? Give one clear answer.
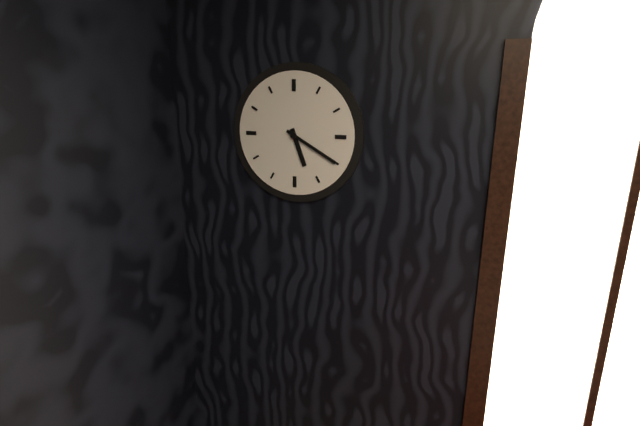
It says 5:20
